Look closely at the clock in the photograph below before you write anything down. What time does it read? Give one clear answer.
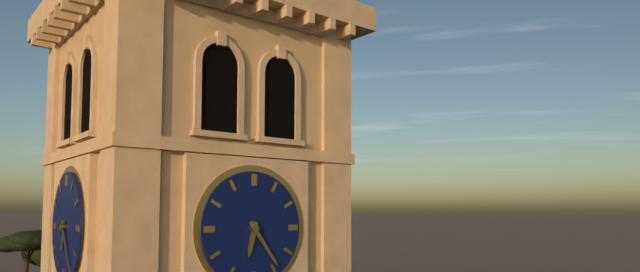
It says 6:24
